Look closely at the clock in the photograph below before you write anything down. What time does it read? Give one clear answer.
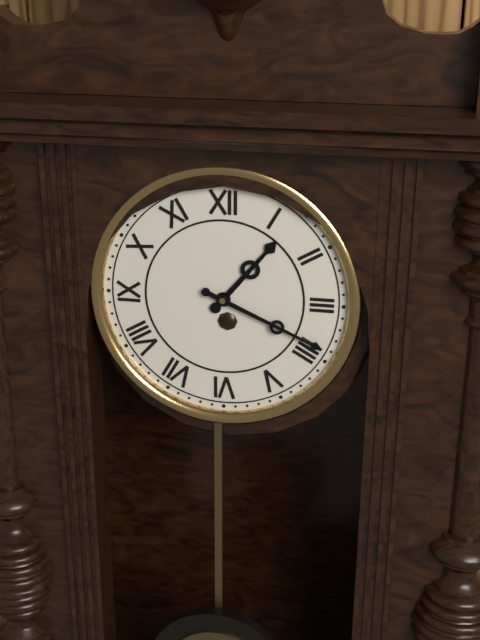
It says 1:19
